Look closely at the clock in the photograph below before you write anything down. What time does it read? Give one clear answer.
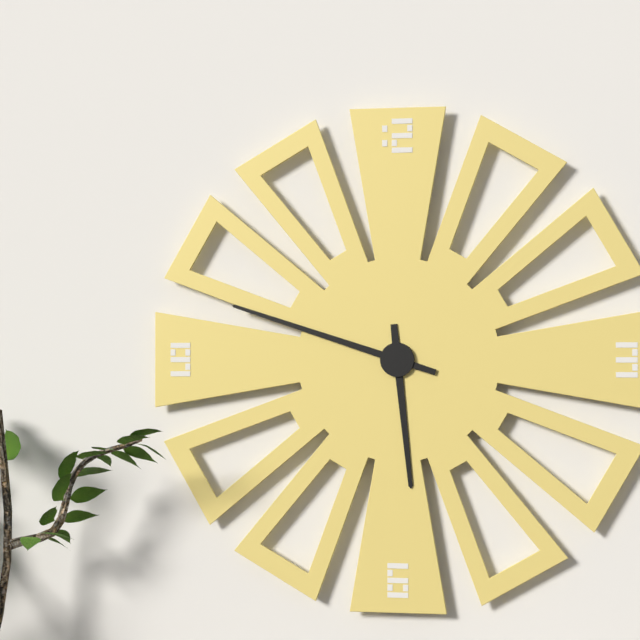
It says 5:48
